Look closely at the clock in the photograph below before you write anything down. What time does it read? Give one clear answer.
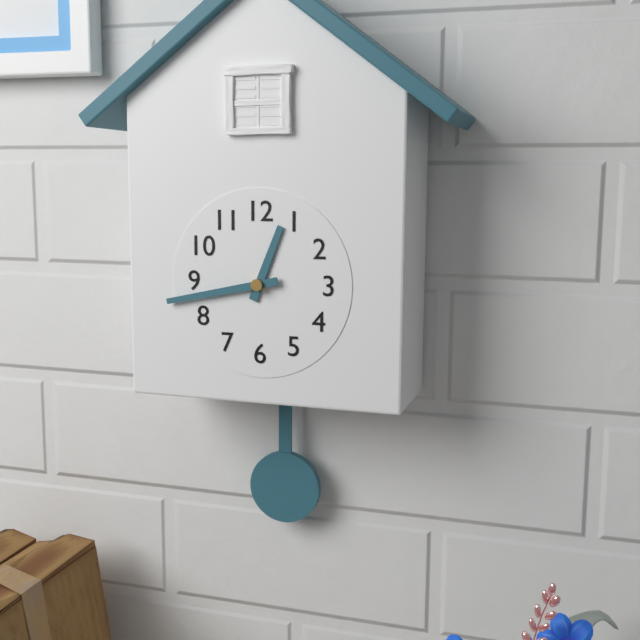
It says 12:43
